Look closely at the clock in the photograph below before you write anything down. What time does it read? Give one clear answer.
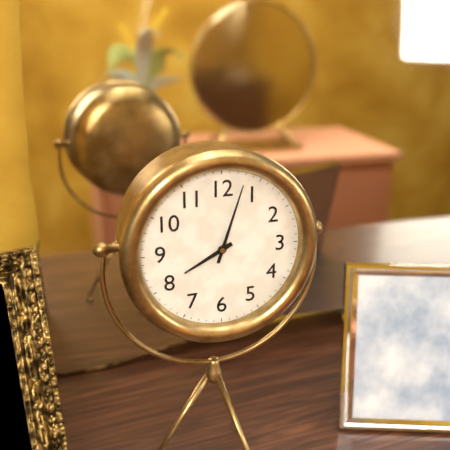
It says 8:03
